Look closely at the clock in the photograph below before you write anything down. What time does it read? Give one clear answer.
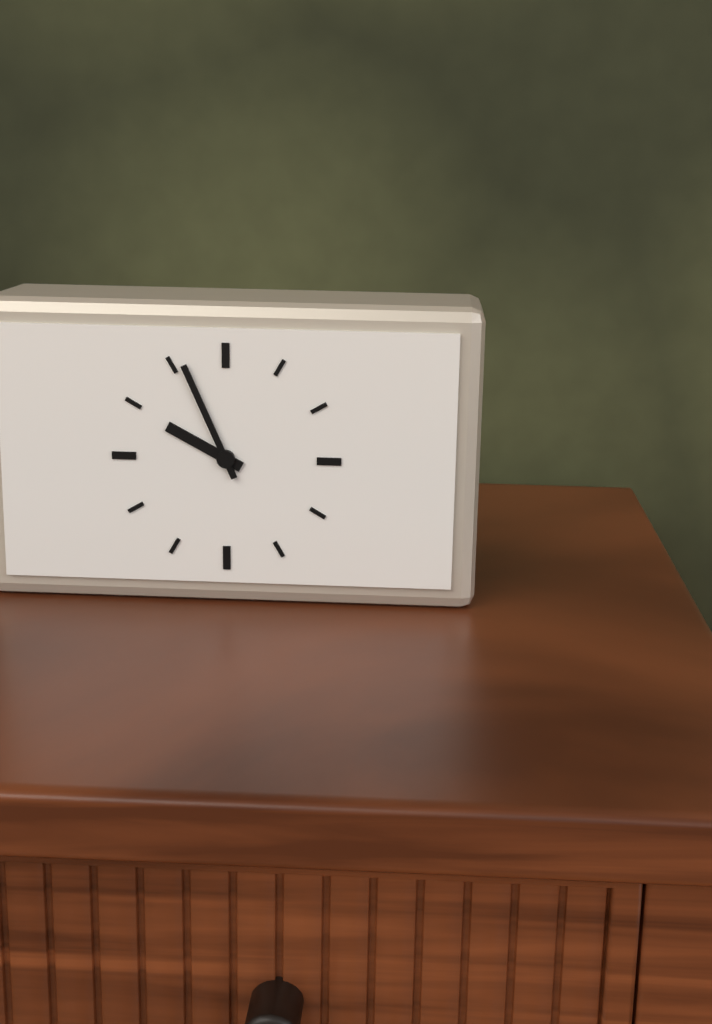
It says 9:56
